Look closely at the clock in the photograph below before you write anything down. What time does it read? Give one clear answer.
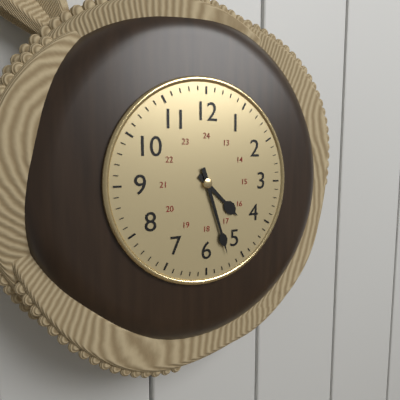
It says 4:27
